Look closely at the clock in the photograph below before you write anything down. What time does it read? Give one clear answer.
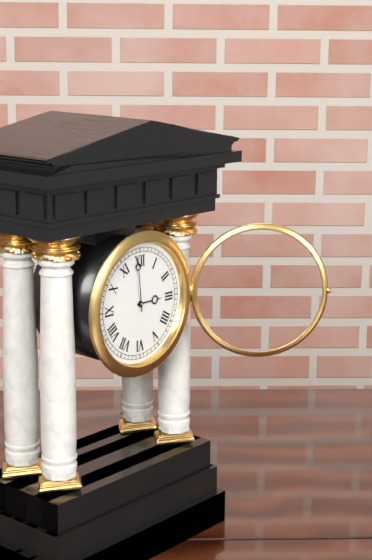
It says 2:59
